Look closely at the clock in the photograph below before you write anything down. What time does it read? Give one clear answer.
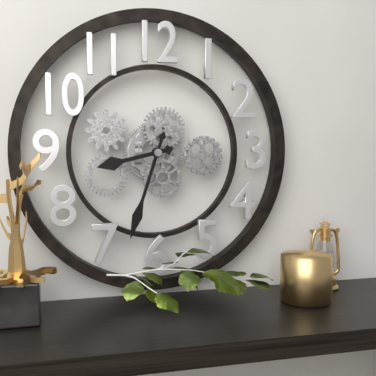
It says 8:33
